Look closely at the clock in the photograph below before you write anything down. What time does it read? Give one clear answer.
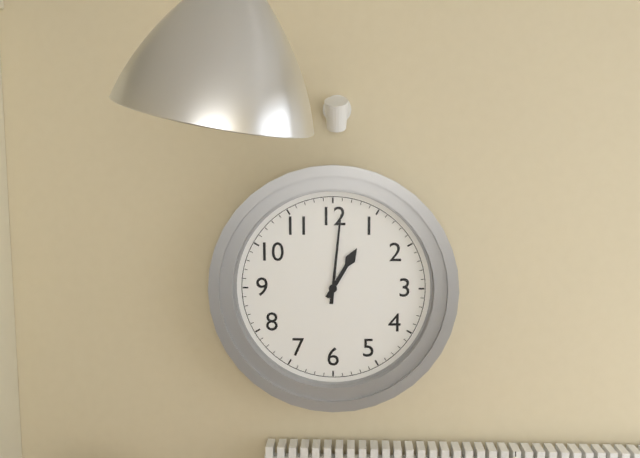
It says 1:01
